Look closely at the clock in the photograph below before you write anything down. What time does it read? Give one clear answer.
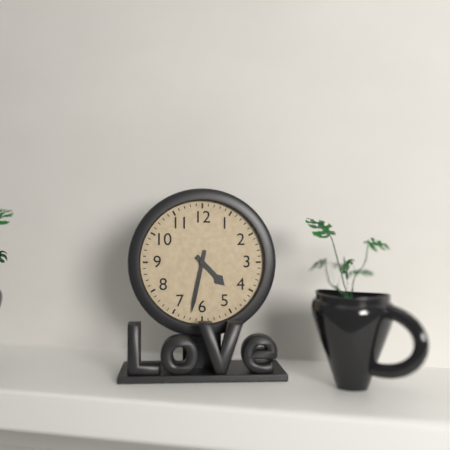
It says 4:32
